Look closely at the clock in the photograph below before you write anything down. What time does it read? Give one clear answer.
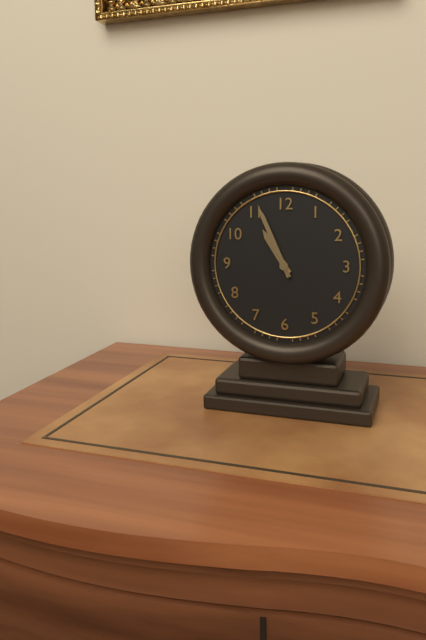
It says 10:56
